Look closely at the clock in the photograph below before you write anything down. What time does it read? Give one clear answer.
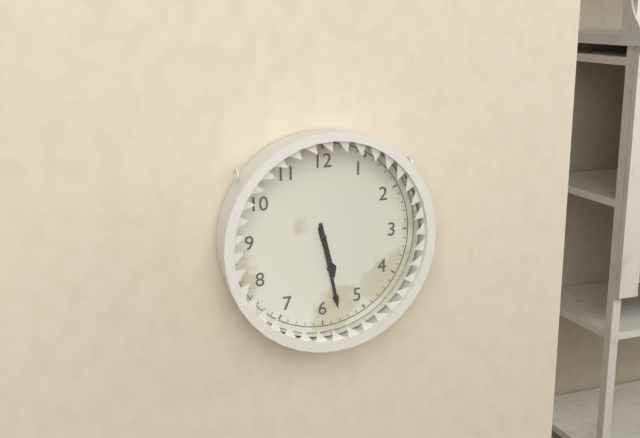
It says 5:28
